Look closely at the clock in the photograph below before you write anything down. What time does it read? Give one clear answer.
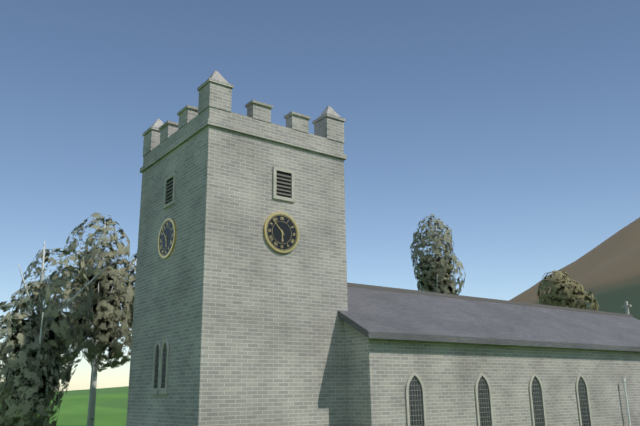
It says 5:53
